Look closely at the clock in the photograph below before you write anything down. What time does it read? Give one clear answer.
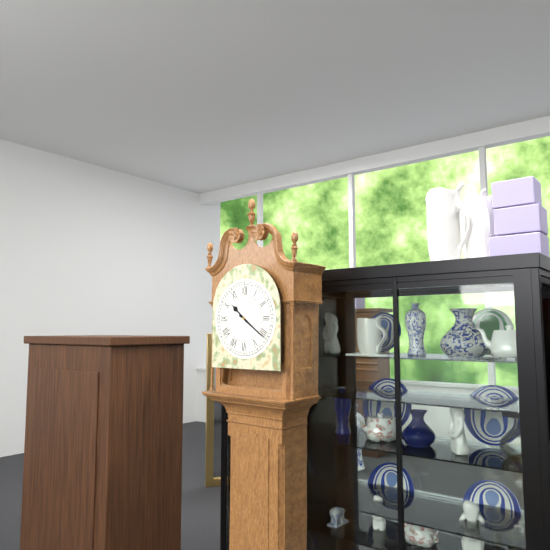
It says 10:21
